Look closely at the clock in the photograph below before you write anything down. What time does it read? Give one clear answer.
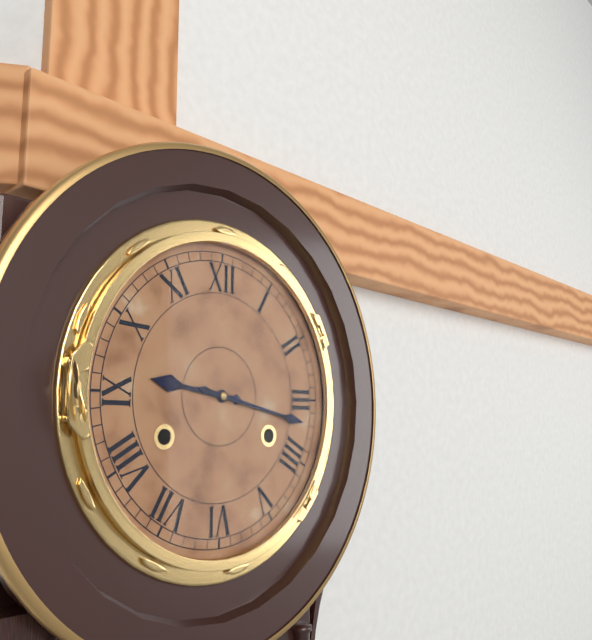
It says 9:17
